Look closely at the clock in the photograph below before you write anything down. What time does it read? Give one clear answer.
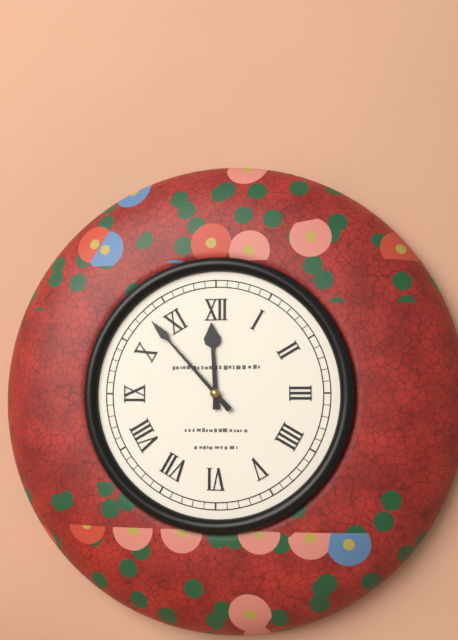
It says 11:53
